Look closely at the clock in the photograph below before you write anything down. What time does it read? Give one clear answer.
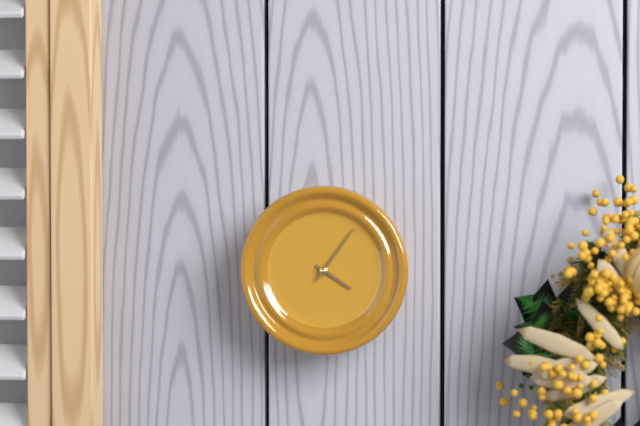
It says 4:06
